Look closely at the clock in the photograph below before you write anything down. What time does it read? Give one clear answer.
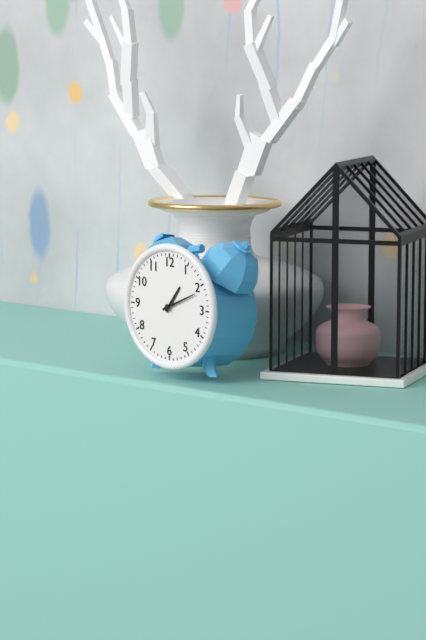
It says 1:11
